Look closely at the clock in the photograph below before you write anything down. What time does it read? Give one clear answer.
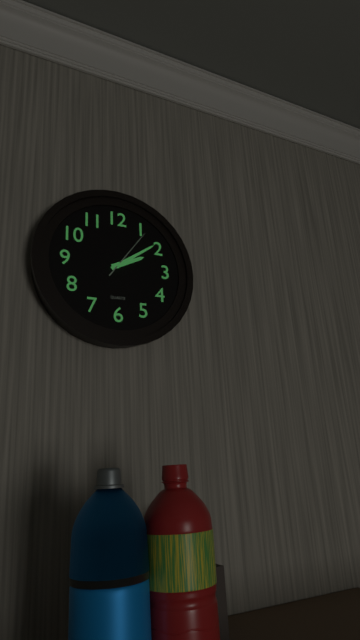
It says 2:09:06
